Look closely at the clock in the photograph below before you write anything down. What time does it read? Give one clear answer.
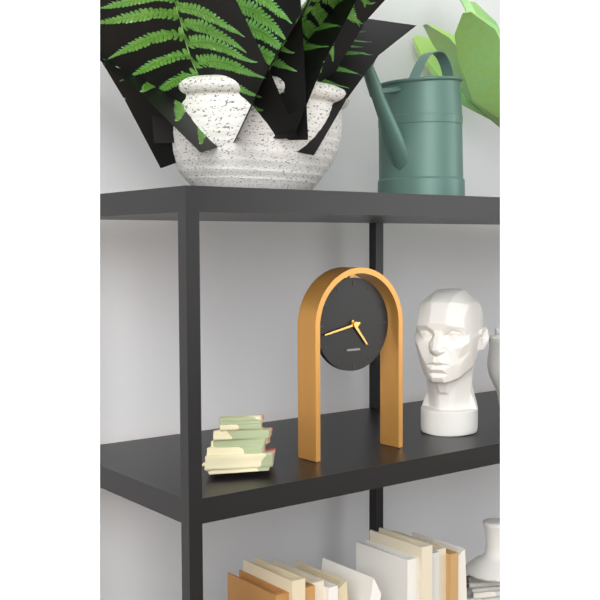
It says 4:43
